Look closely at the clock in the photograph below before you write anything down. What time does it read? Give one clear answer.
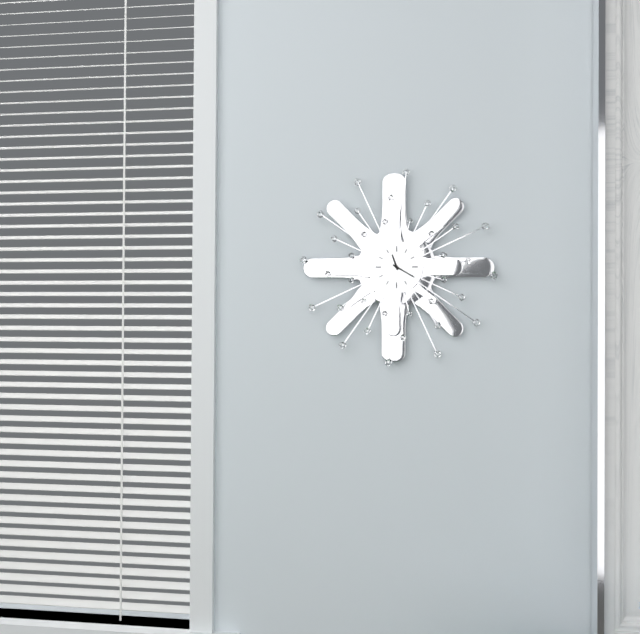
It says 11:20
